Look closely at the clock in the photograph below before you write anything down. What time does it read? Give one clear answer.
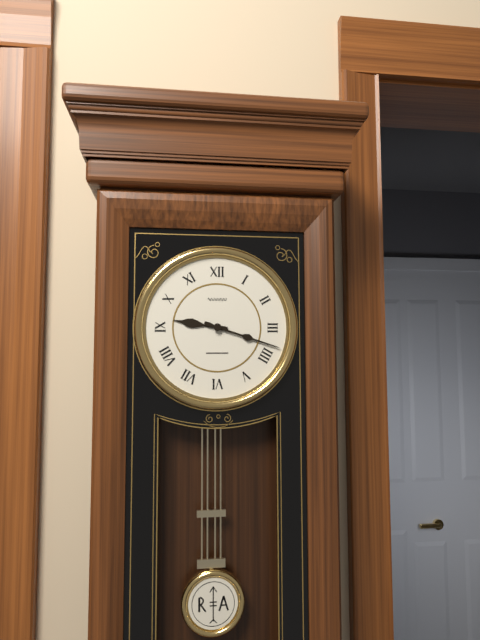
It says 9:18
